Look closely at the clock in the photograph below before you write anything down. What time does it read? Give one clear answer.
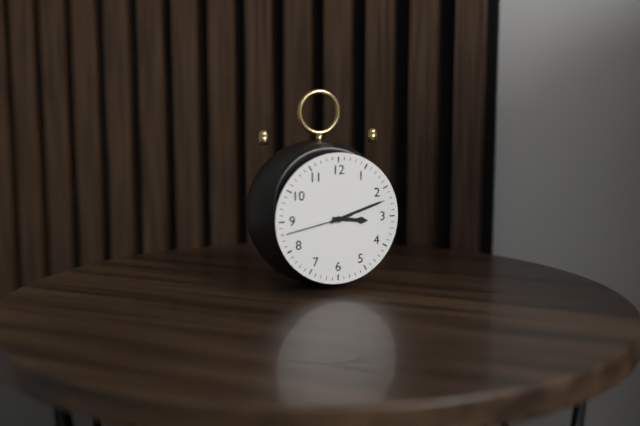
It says 3:12
